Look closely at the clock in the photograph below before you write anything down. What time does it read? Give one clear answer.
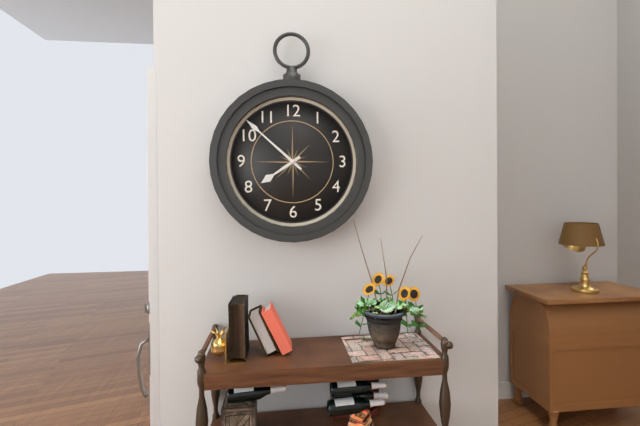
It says 7:52
